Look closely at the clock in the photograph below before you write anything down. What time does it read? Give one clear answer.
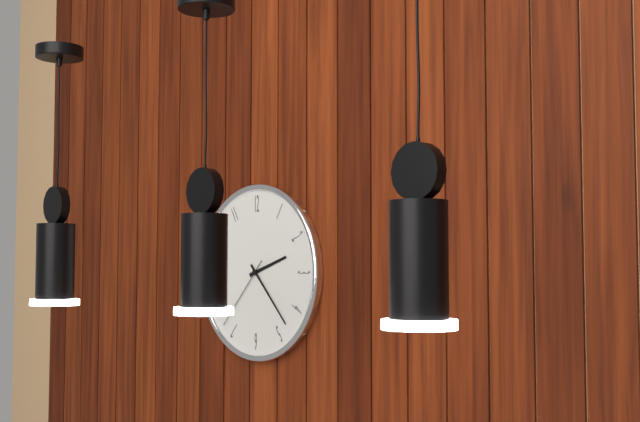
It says 2:23:37
